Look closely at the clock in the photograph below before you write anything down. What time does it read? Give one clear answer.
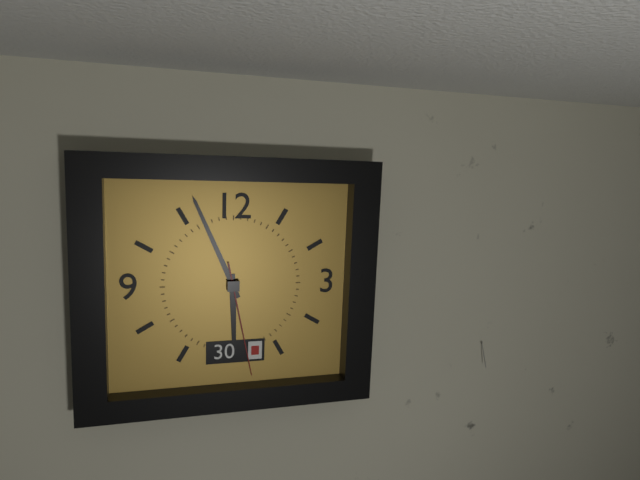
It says 5:56:28
